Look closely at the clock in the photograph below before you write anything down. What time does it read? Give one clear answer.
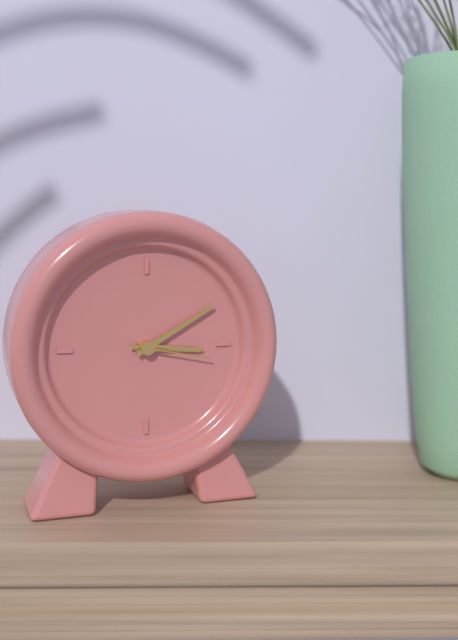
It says 3:10:17
